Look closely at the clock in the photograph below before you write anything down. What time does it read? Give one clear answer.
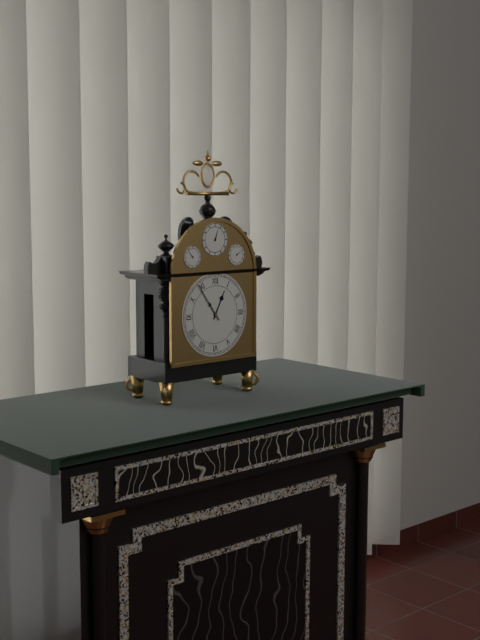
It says 12:54
